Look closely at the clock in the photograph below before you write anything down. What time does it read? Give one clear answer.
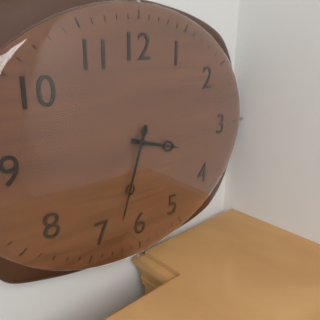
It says 3:33
